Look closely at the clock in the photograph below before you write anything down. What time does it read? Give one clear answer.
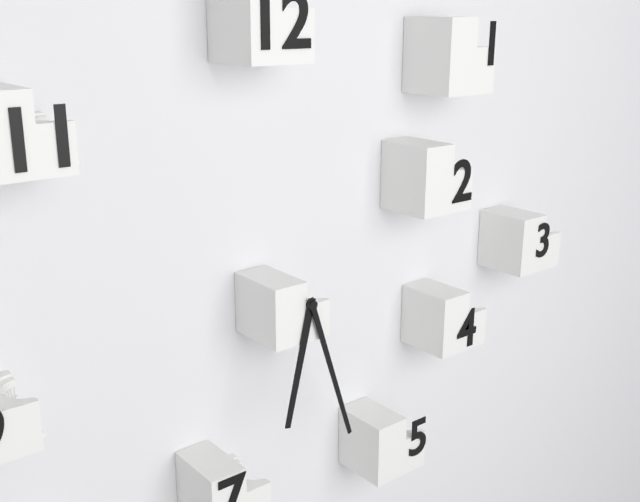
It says 6:27
